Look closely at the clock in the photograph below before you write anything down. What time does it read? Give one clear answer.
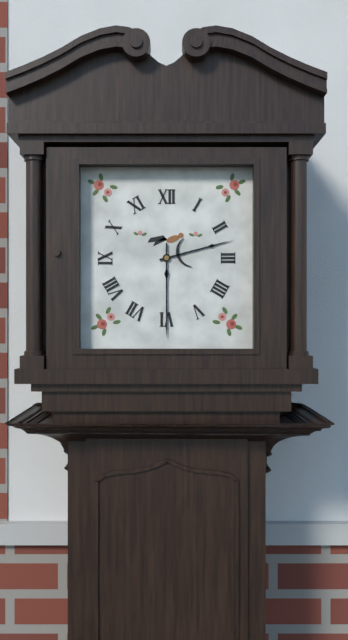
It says 2:30
